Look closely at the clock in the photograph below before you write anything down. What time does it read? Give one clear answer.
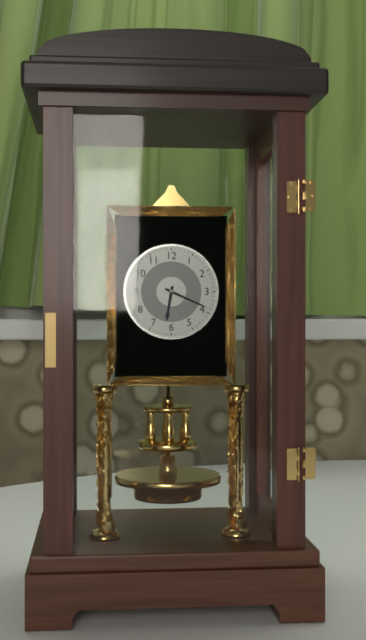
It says 6:19
